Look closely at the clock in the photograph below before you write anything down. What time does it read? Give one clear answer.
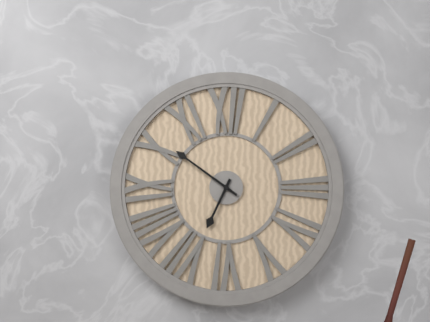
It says 6:51
